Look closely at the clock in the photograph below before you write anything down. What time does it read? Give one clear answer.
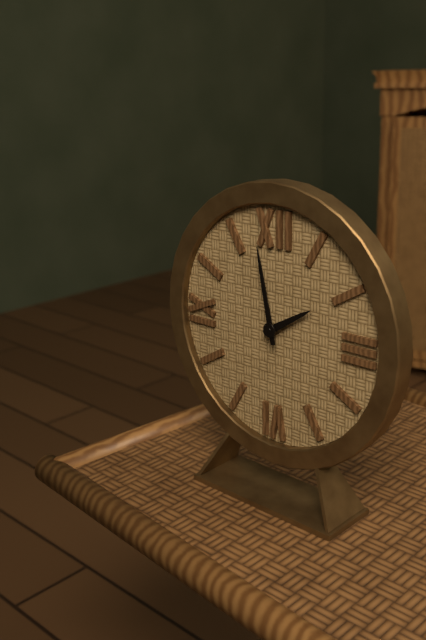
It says 1:58
